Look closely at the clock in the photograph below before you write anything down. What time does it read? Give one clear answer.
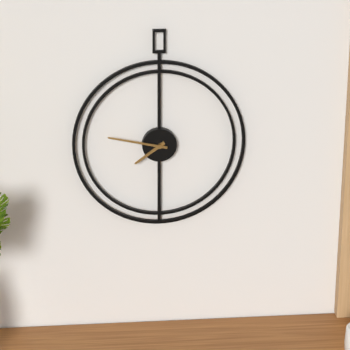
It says 7:47
